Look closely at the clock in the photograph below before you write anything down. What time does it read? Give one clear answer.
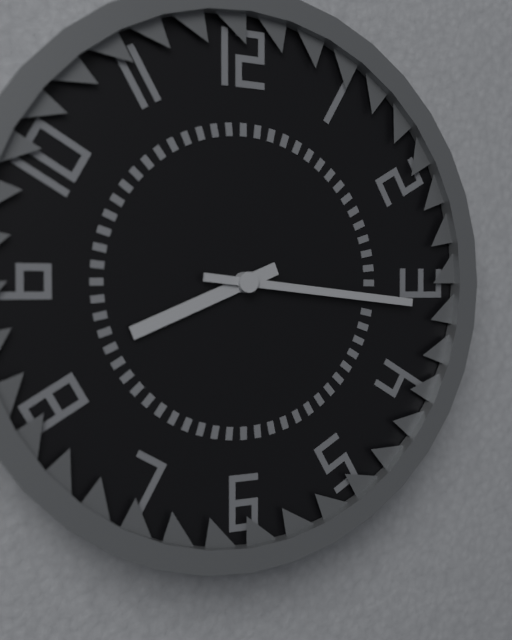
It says 8:16
